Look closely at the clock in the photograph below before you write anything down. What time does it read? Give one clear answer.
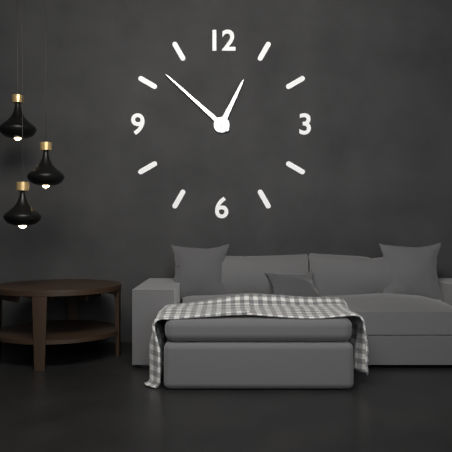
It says 12:52
